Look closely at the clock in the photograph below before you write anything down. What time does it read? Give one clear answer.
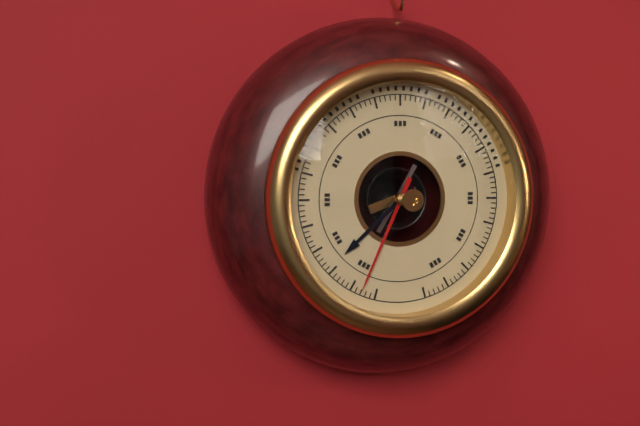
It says 7:34
